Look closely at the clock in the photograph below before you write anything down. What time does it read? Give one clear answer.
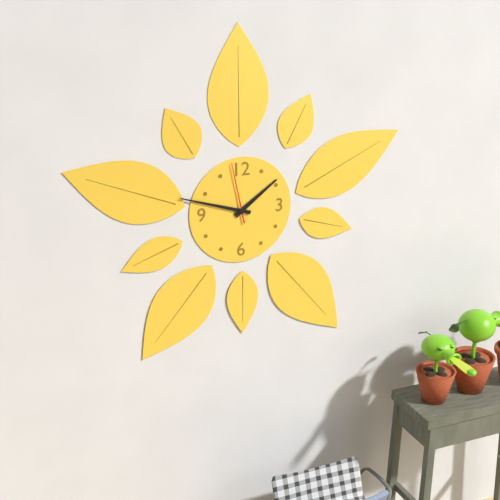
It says 1:48:58
